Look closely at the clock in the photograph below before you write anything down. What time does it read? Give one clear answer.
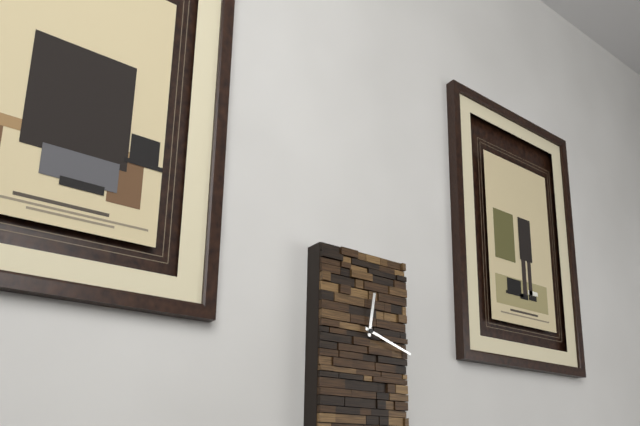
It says 12:18
